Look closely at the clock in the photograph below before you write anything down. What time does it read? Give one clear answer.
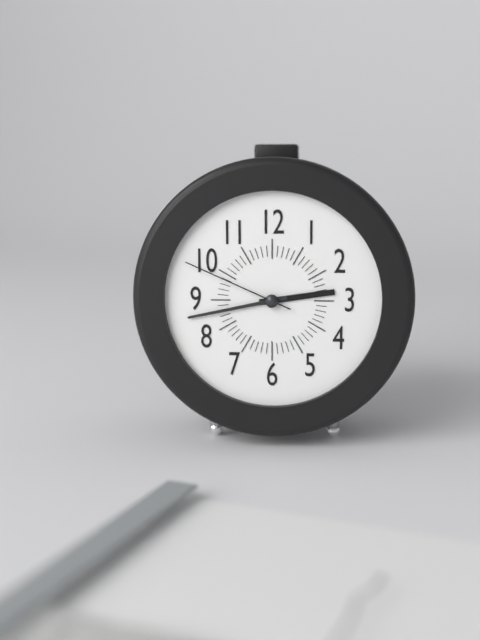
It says 2:43:49
